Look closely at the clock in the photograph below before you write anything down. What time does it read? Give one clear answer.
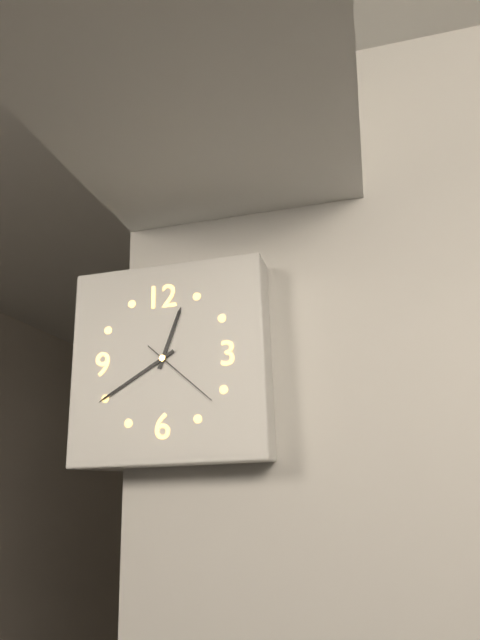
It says 12:40:22
